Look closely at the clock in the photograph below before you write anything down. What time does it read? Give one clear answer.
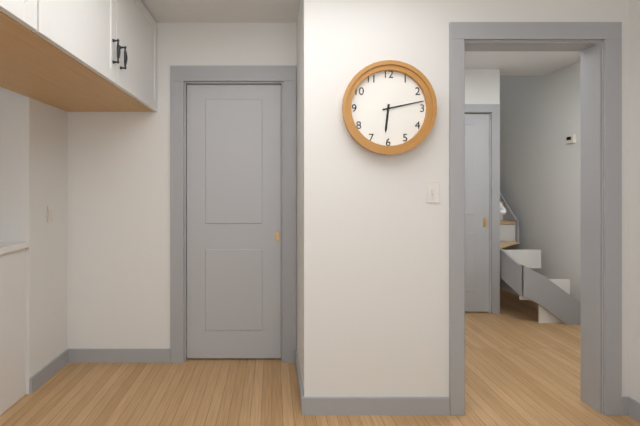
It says 6:13
